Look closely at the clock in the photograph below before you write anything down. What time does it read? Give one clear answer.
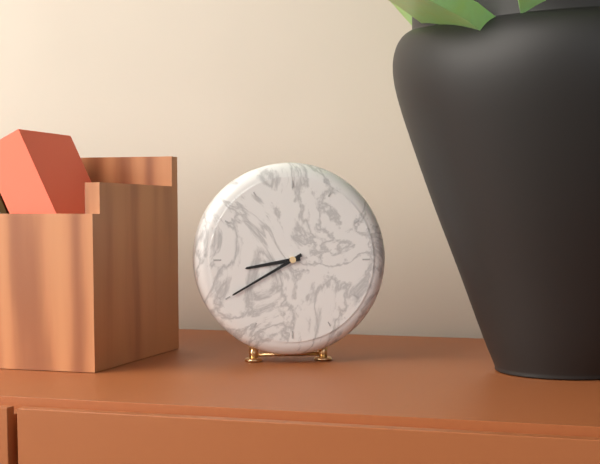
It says 8:40
